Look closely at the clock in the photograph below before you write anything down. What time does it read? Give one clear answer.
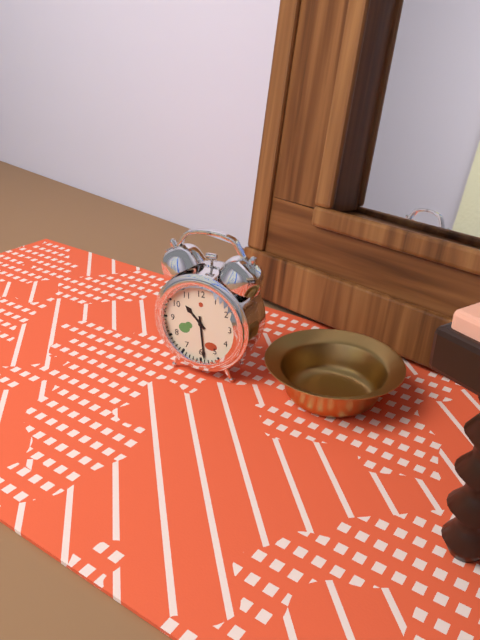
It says 10:29
